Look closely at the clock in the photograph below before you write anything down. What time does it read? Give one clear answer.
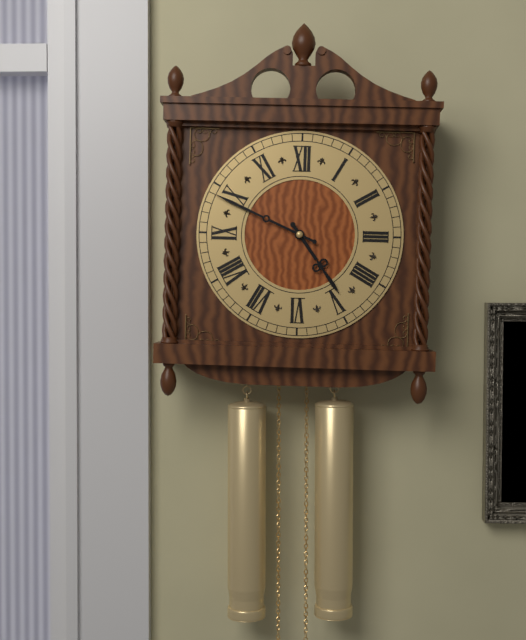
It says 4:49
